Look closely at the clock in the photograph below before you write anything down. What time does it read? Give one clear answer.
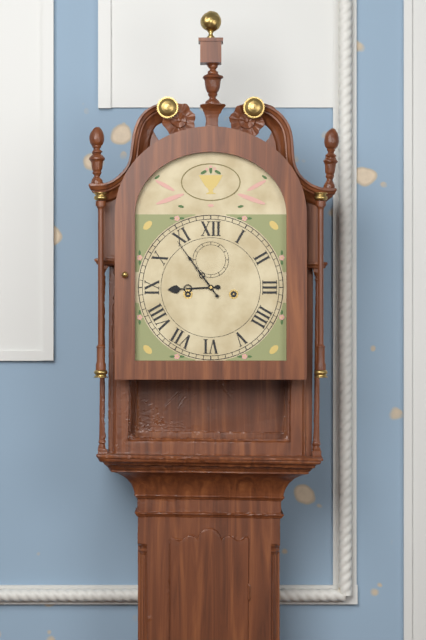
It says 8:54
